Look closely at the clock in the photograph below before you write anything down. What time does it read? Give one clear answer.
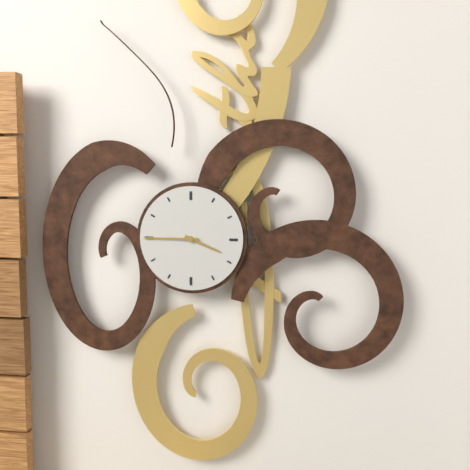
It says 3:45
